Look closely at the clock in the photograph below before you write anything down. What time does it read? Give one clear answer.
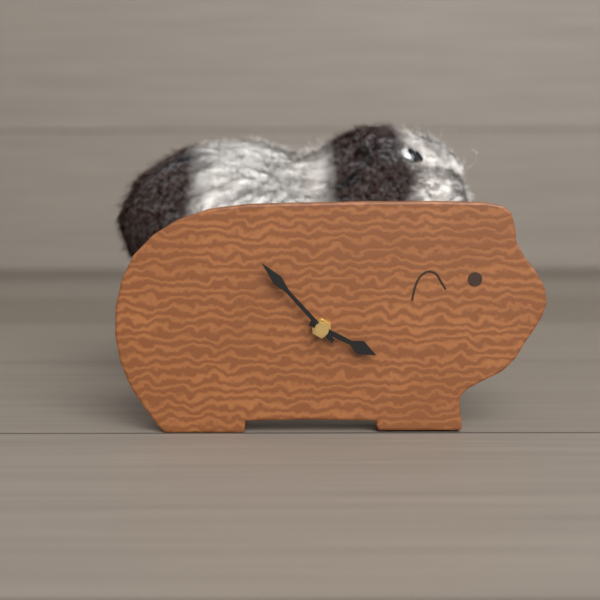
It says 3:53
